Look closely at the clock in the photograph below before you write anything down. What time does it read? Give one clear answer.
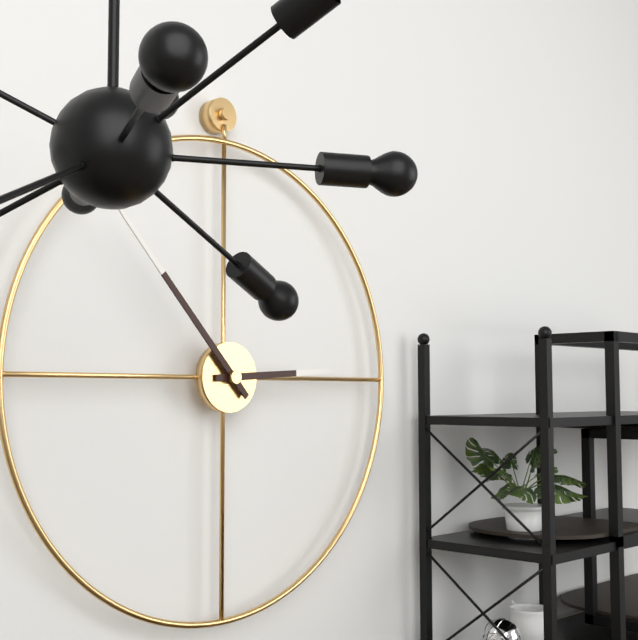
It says 2:53
